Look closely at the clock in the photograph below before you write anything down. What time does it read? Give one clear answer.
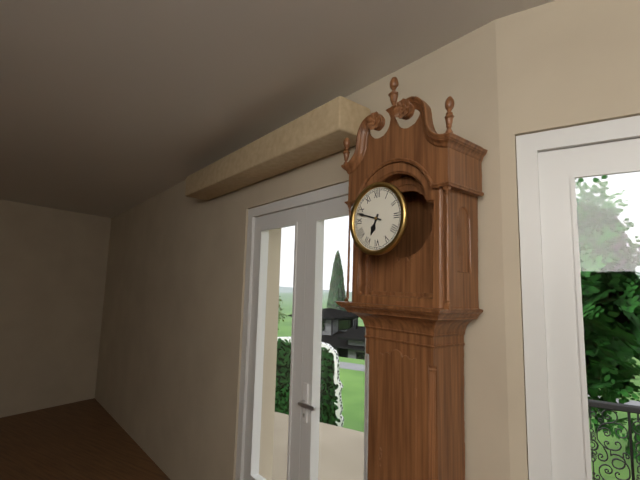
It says 6:48
